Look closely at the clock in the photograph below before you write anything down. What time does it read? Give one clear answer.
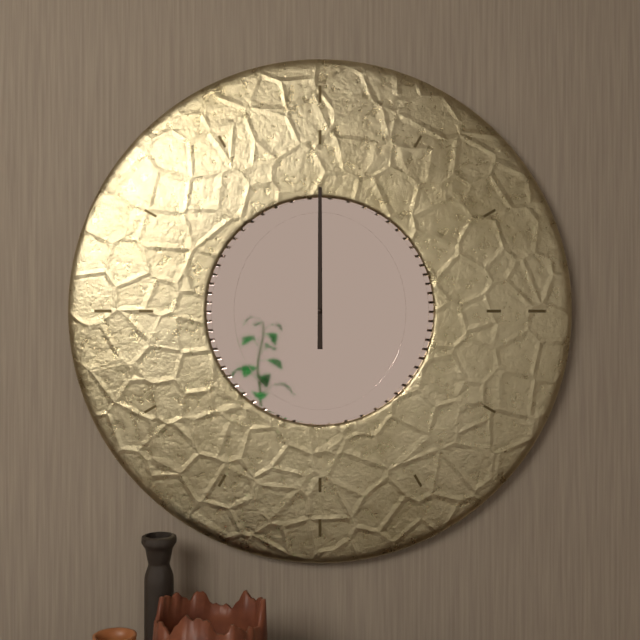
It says 12:00
